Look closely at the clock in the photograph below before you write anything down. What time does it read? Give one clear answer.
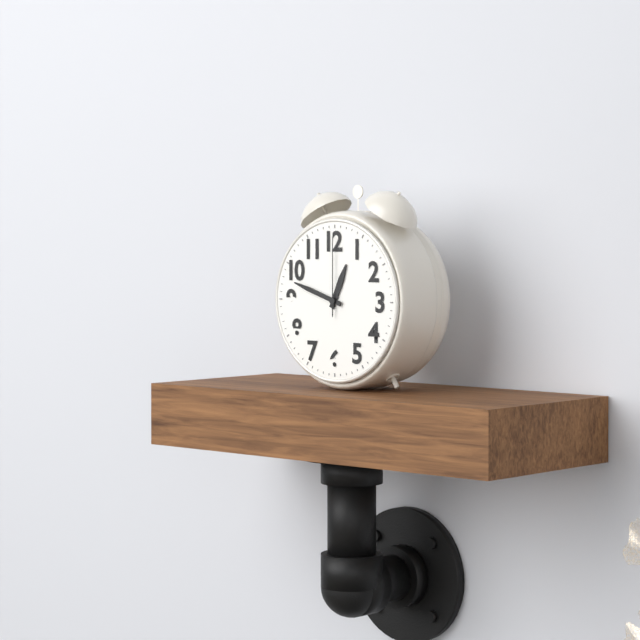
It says 12:48:00
